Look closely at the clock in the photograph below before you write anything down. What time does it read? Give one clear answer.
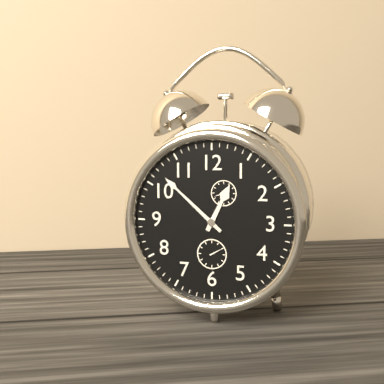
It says 12:52
